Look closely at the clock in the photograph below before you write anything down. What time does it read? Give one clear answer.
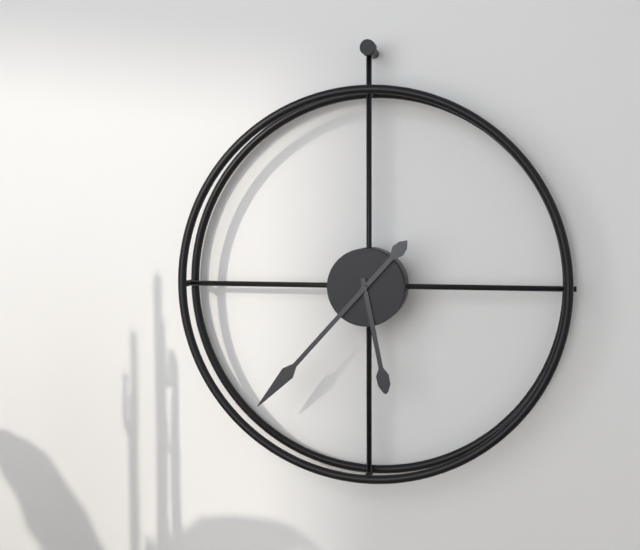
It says 5:37
